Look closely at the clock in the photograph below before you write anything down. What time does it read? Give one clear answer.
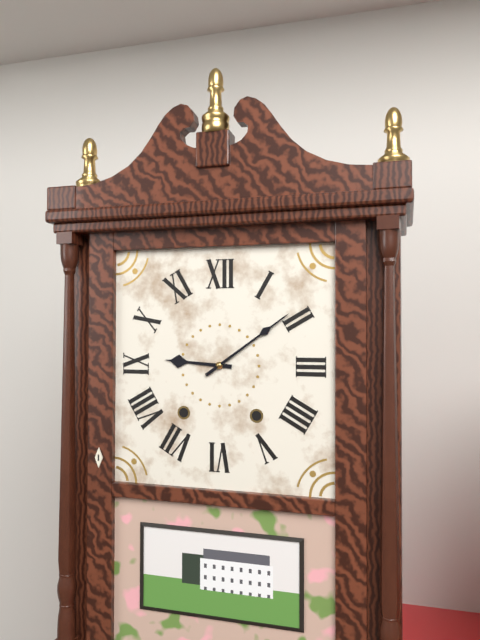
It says 9:09
